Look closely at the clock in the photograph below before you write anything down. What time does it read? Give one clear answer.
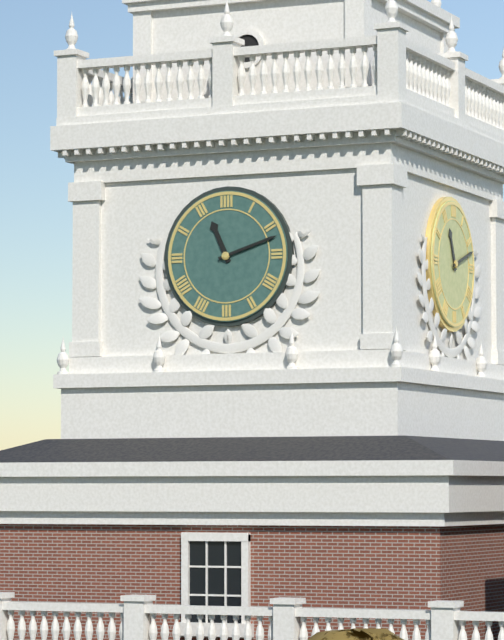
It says 11:12
